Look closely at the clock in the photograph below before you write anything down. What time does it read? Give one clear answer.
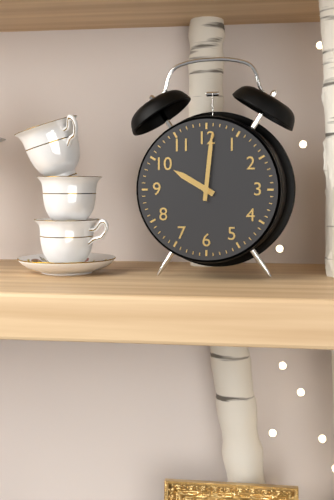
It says 10:01
